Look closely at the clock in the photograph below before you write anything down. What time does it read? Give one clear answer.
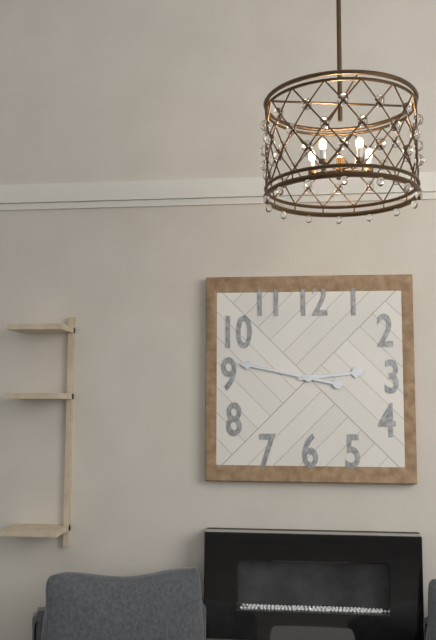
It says 2:47
